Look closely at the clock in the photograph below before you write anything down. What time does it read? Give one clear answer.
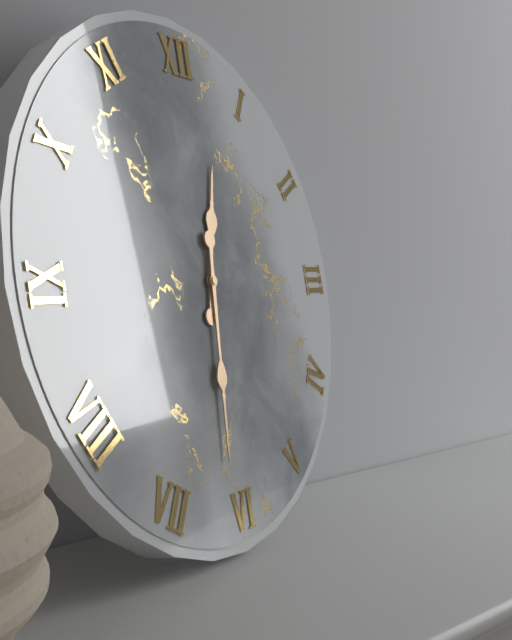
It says 12:31
